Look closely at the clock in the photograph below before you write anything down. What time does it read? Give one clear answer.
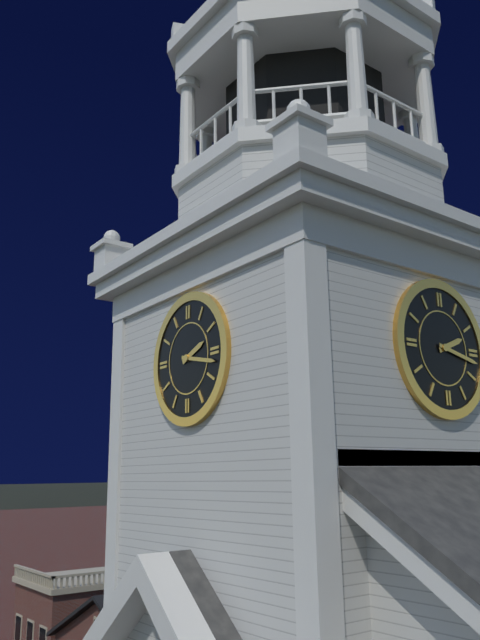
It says 2:17
